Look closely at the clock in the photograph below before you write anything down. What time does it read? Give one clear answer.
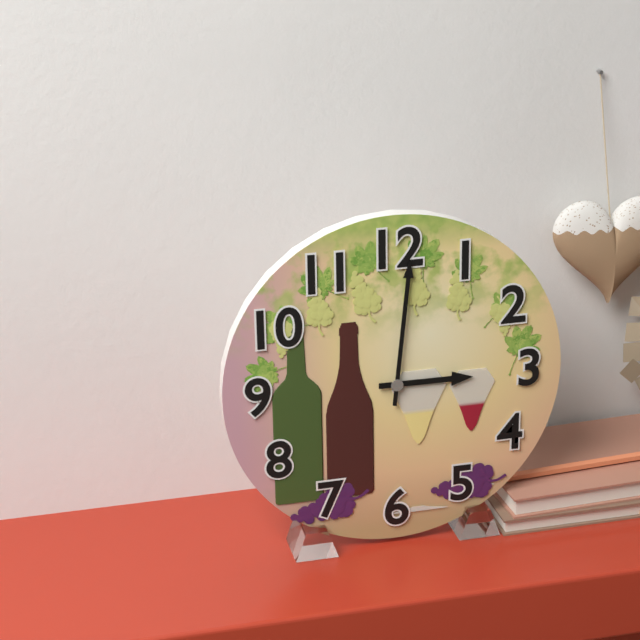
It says 3:01
